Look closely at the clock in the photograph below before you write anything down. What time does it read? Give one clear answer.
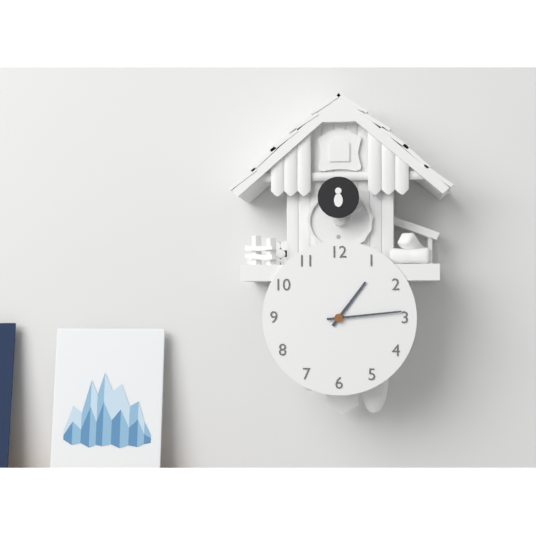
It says 1:14
